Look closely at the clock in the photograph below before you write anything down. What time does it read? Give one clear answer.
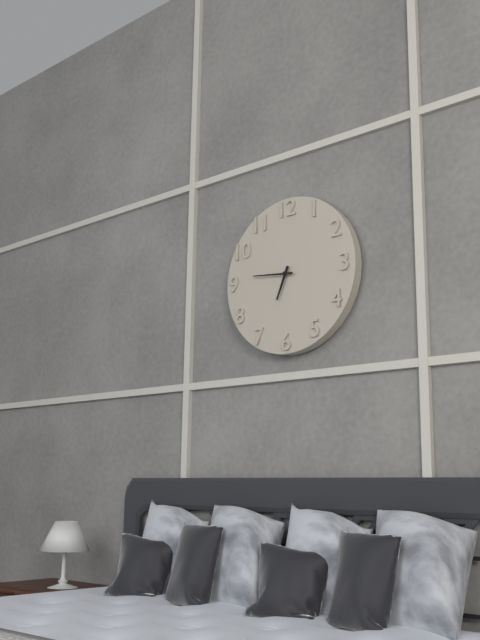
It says 6:46
